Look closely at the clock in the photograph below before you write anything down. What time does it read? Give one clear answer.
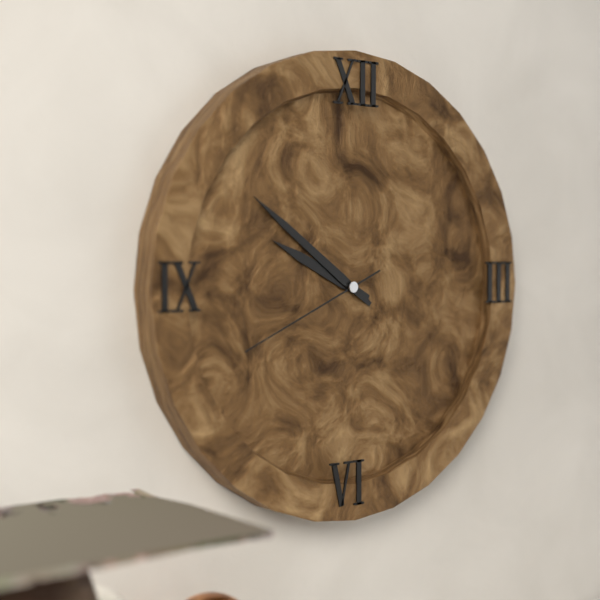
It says 9:51:41
